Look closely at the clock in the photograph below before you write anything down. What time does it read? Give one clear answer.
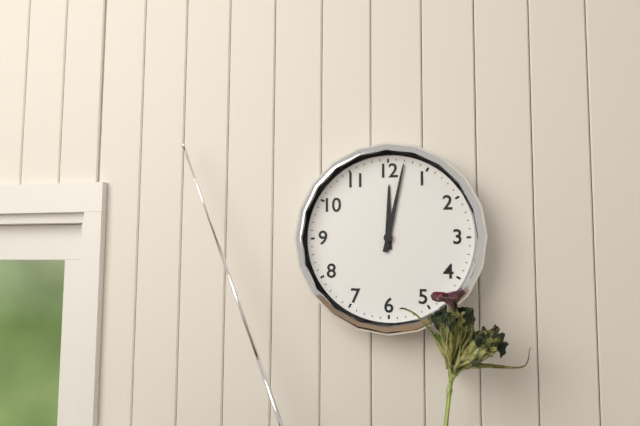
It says 12:02
